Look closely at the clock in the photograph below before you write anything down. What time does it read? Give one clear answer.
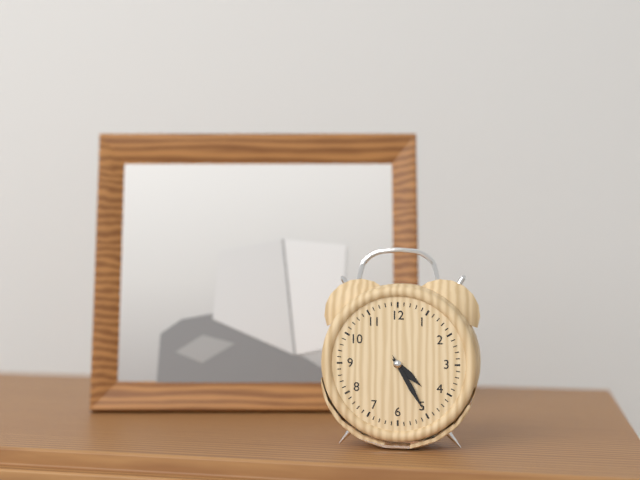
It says 4:25
